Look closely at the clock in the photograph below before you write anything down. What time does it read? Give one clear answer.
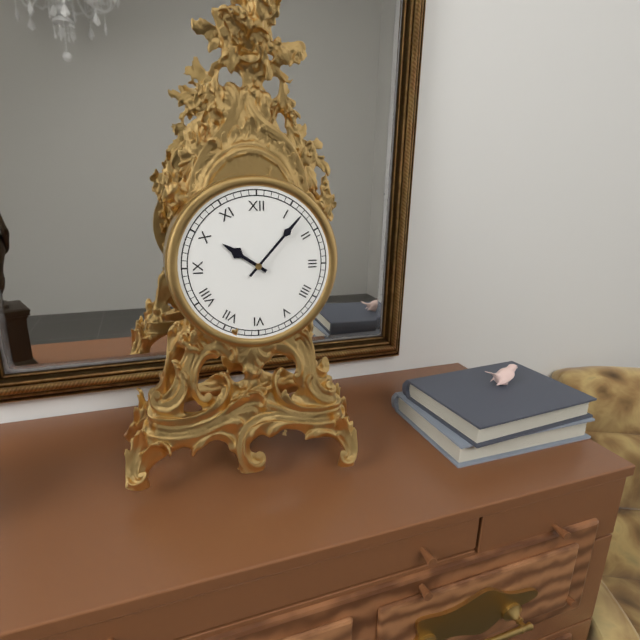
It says 10:07
